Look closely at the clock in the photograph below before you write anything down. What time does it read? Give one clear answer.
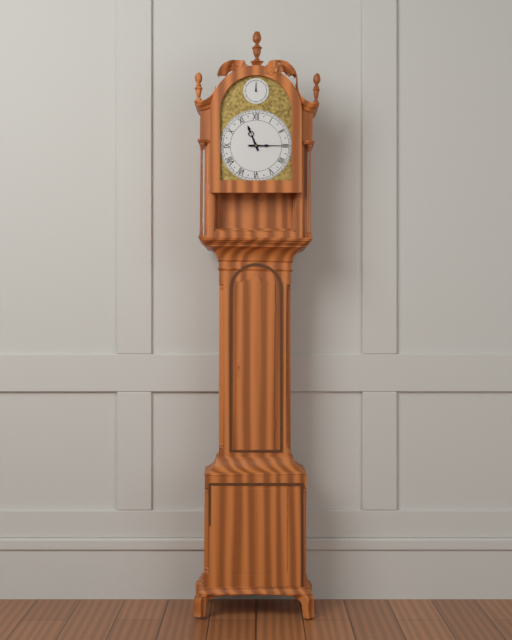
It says 11:15
